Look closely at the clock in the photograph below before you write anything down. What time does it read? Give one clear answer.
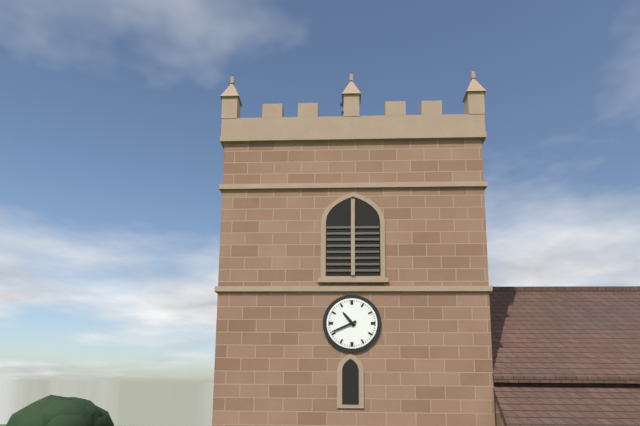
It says 10:41
